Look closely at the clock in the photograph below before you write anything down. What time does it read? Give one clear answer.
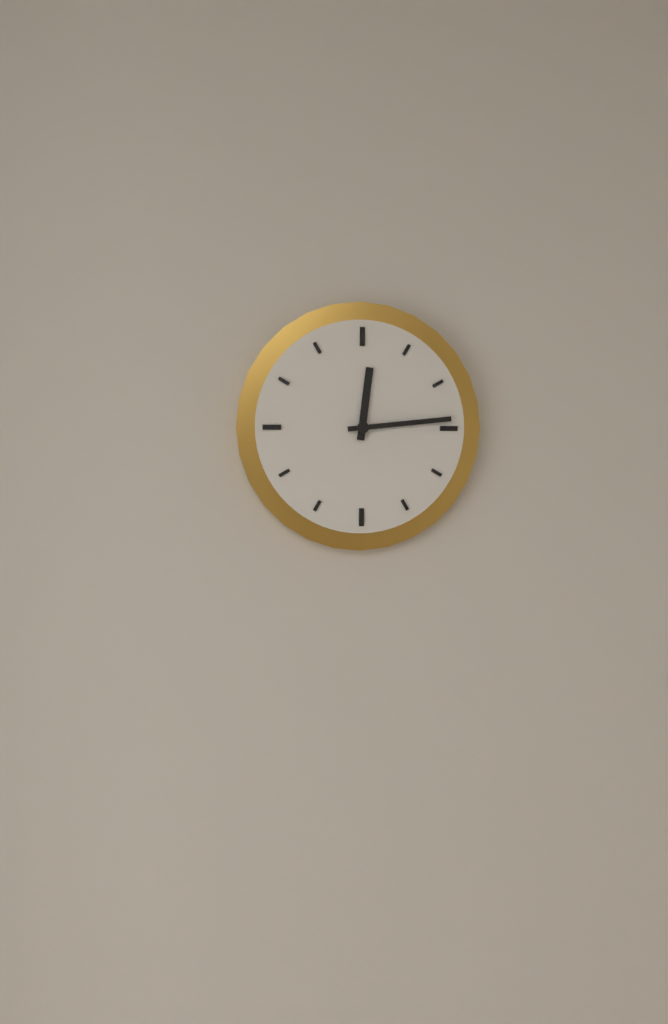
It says 12:14
